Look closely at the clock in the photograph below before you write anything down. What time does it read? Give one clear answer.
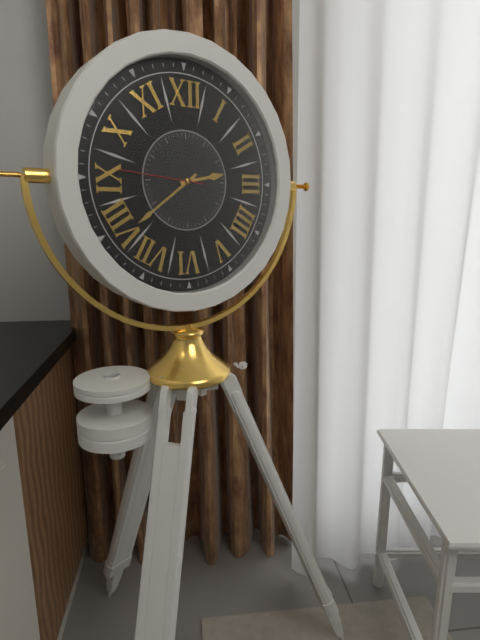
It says 2:39:46
